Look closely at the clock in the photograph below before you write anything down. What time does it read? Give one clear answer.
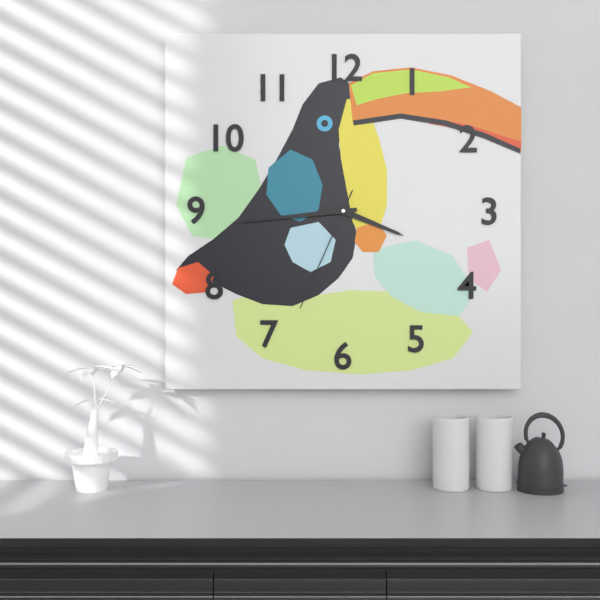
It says 3:44:34
